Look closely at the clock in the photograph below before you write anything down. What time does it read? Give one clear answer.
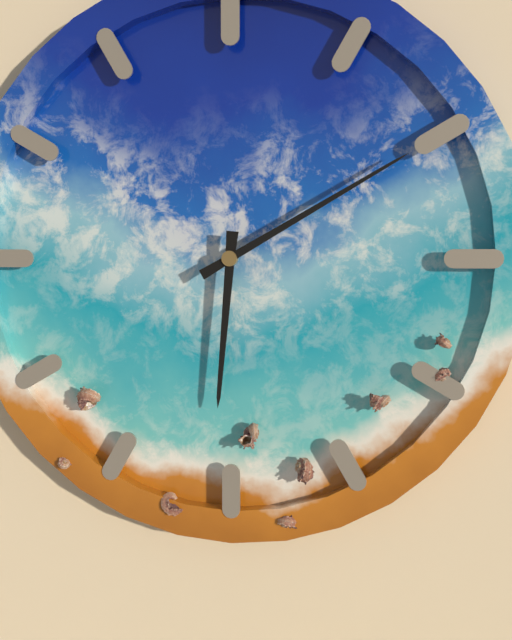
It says 6:10
